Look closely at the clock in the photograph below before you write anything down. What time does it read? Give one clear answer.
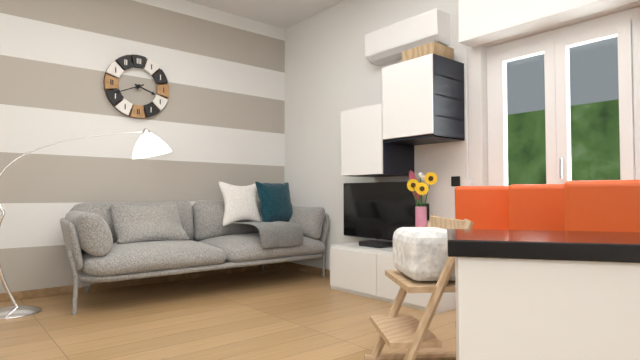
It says 3:41
